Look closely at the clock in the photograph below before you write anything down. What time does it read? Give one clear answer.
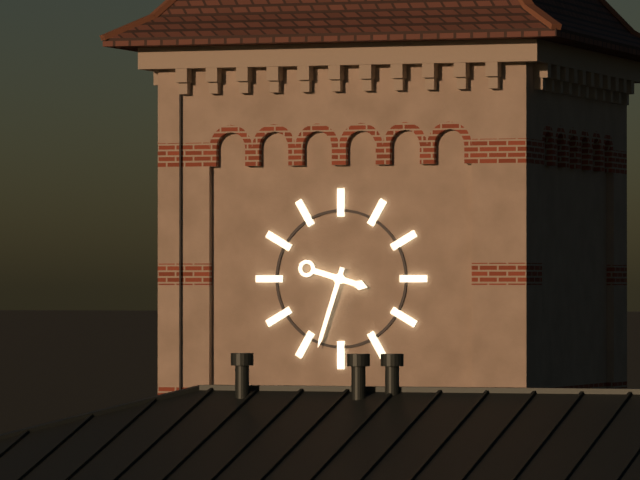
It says 3:33
